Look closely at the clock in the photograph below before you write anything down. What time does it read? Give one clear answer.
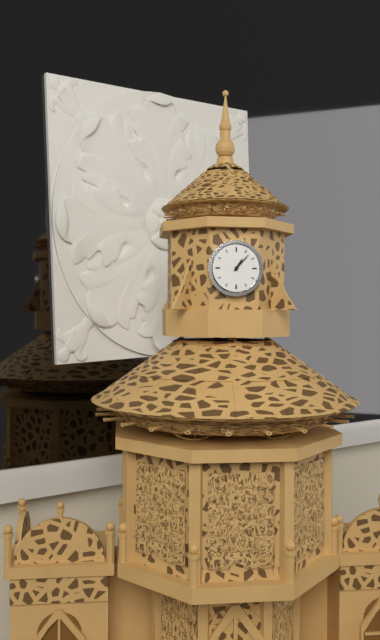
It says 1:07
